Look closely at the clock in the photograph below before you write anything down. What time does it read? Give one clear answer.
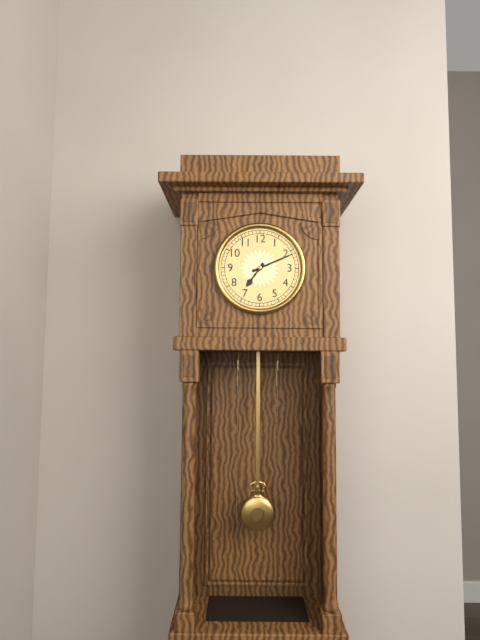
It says 7:11
